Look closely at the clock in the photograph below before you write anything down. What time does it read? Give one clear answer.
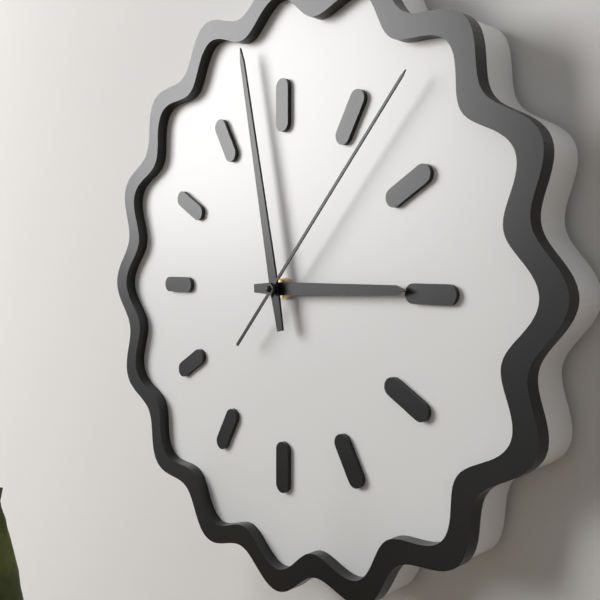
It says 2:58:07
